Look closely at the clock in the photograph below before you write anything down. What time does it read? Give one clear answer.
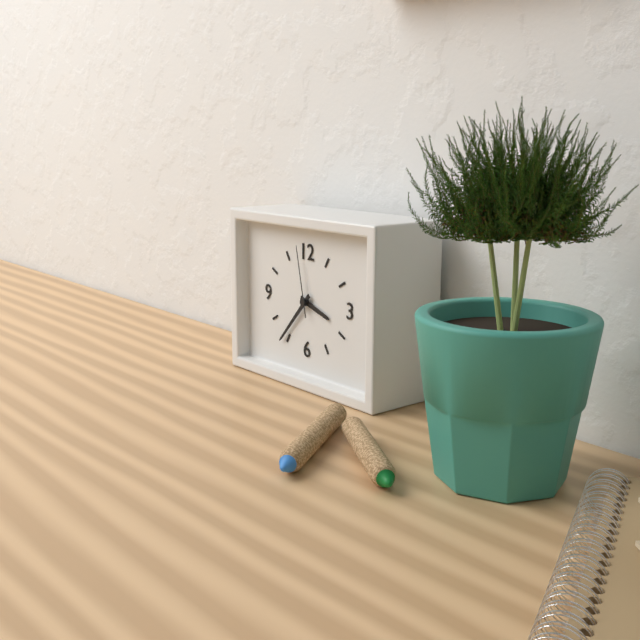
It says 3:37:58
